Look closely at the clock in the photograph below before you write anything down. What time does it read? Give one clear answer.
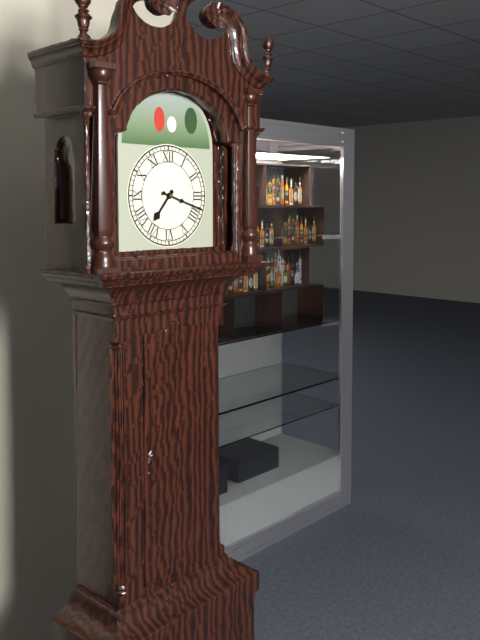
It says 7:18
